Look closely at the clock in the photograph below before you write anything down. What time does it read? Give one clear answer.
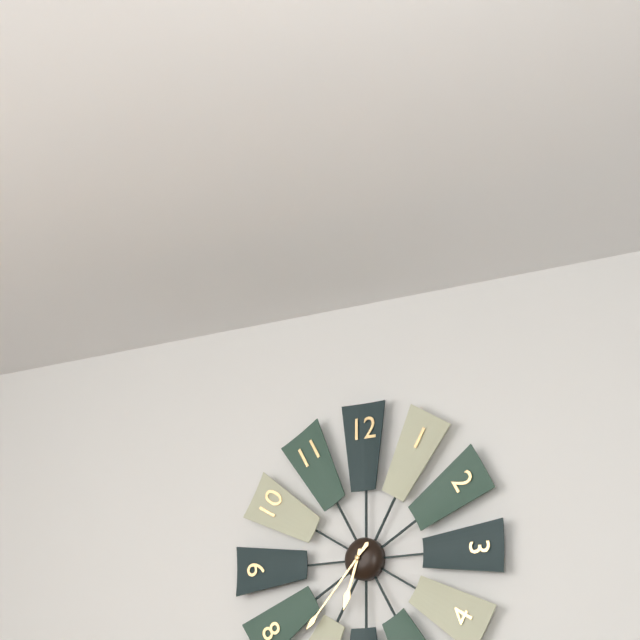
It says 6:37
